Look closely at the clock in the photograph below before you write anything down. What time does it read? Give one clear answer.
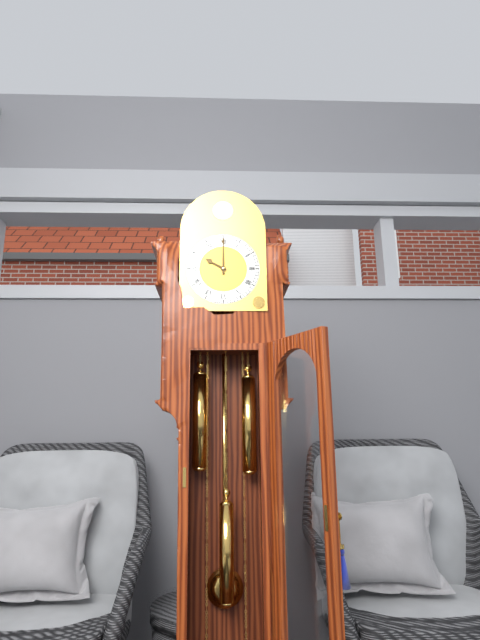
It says 10:00
